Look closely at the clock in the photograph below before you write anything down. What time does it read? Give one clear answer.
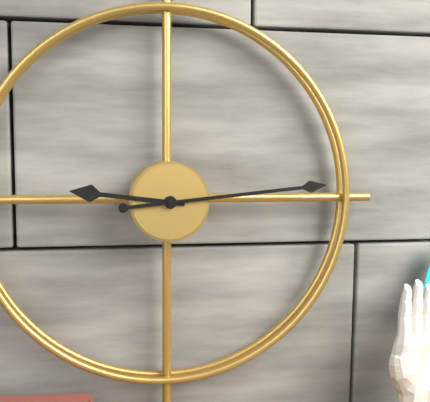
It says 9:14
